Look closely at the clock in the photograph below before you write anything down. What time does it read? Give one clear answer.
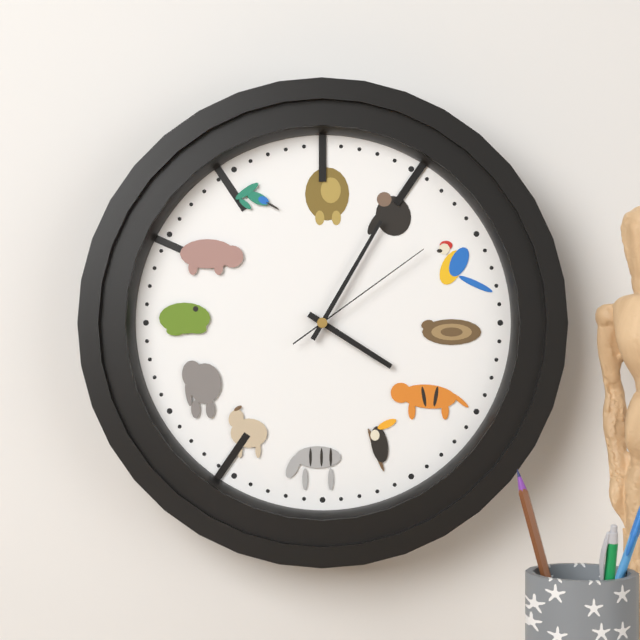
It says 4:05:09
